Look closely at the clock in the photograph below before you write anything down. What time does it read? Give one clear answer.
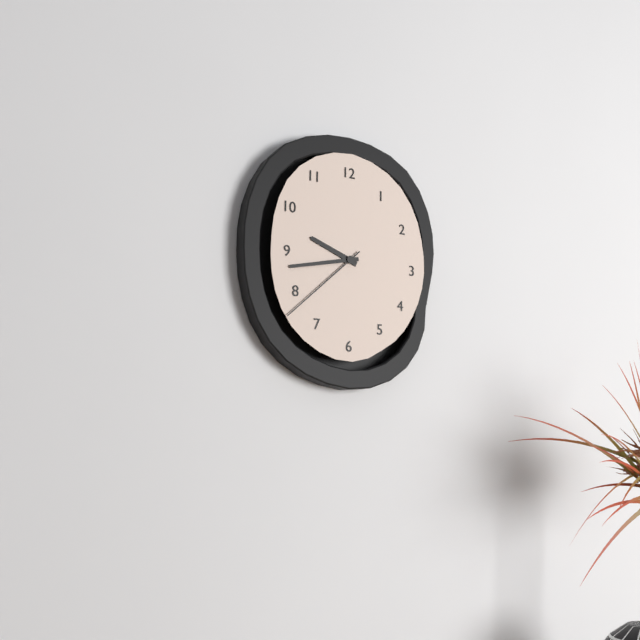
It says 9:43:38
